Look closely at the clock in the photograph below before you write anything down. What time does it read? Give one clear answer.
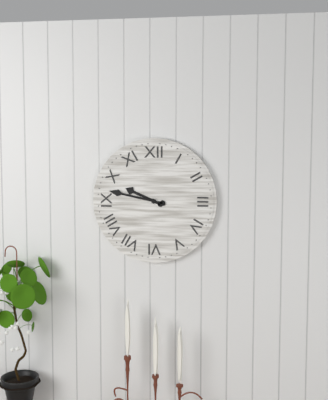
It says 9:47
